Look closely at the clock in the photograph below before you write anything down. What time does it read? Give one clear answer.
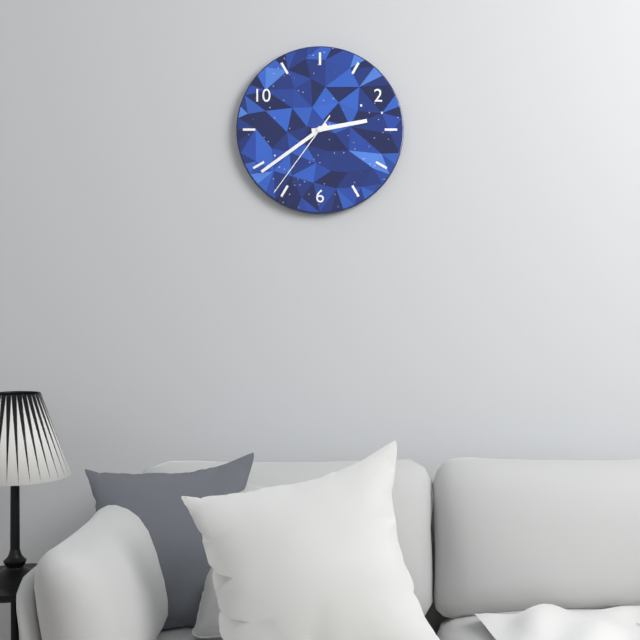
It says 2:39:36
